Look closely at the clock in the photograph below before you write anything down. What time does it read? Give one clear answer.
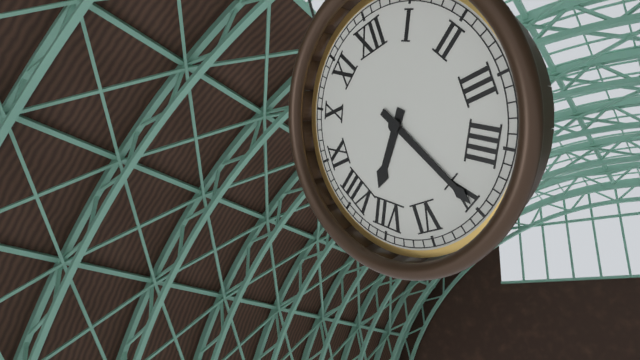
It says 7:25
